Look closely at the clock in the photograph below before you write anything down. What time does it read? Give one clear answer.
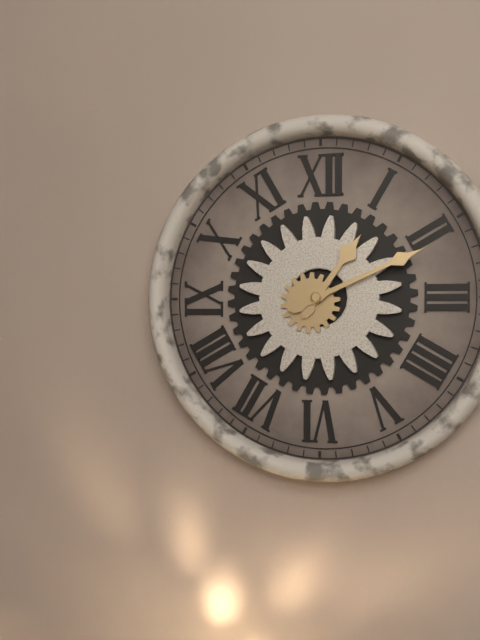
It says 1:11
